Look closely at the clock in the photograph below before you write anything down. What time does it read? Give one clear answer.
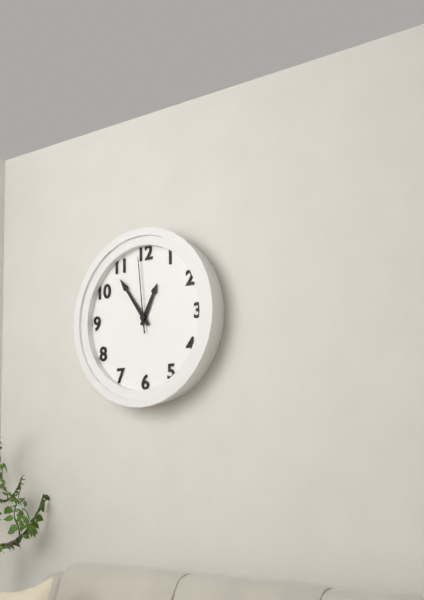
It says 12:54:59
